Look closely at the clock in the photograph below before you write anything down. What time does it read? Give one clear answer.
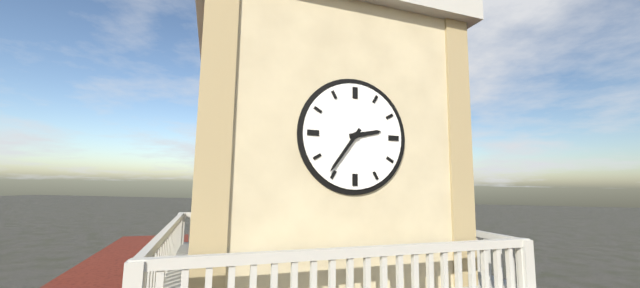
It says 2:36
